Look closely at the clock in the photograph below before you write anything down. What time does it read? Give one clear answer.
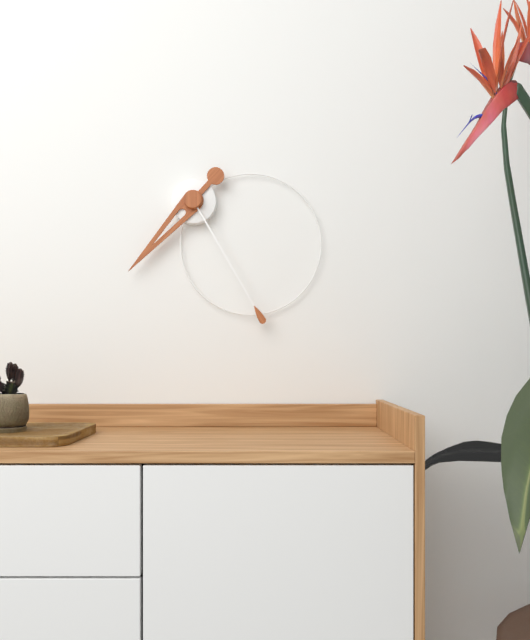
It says 7:25
